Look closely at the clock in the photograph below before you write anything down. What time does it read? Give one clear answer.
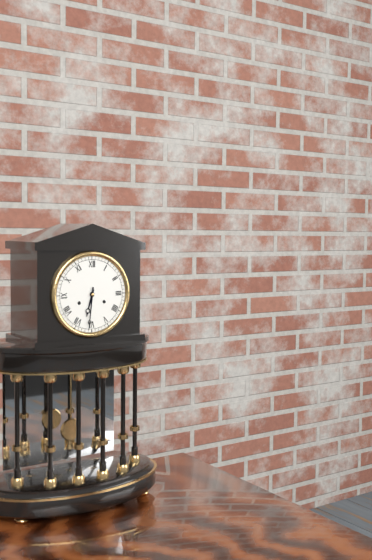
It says 6:31
